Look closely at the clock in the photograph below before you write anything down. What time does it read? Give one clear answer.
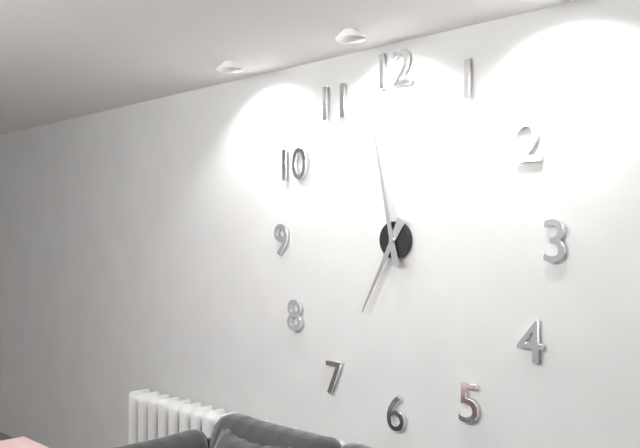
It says 6:58
